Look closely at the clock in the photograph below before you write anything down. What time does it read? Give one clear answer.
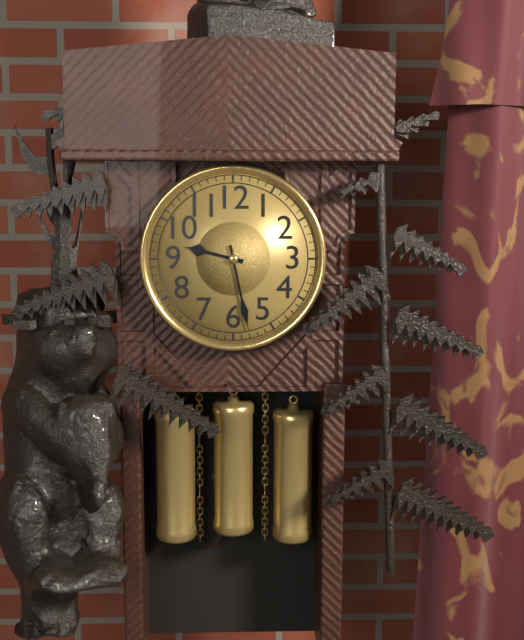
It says 9:28
